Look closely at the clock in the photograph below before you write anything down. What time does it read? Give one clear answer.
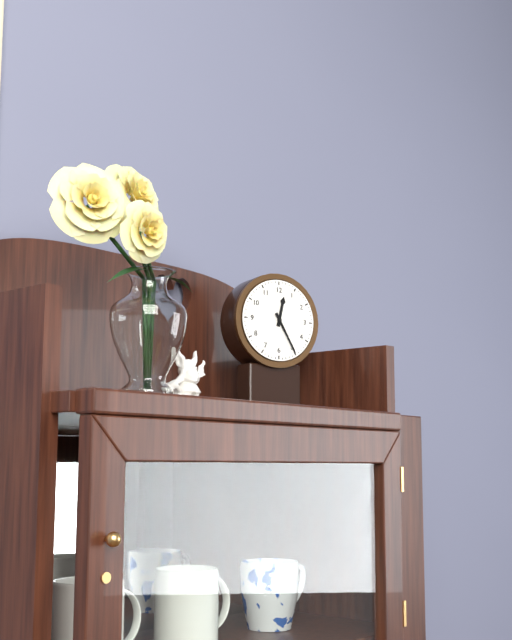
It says 12:25
